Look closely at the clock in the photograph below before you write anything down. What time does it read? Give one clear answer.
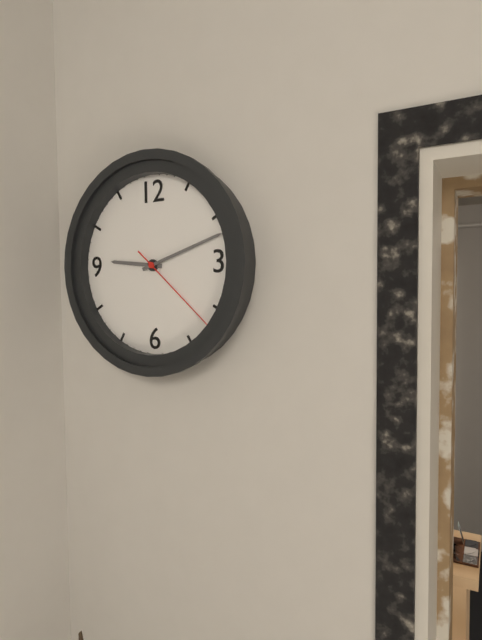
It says 9:12:22
